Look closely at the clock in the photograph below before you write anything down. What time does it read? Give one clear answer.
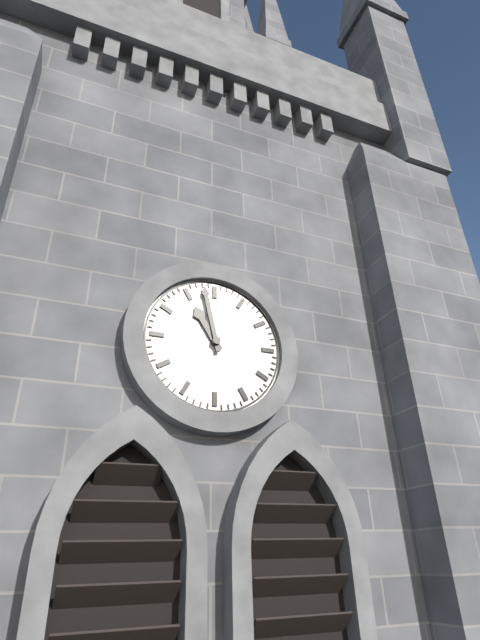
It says 10:58
